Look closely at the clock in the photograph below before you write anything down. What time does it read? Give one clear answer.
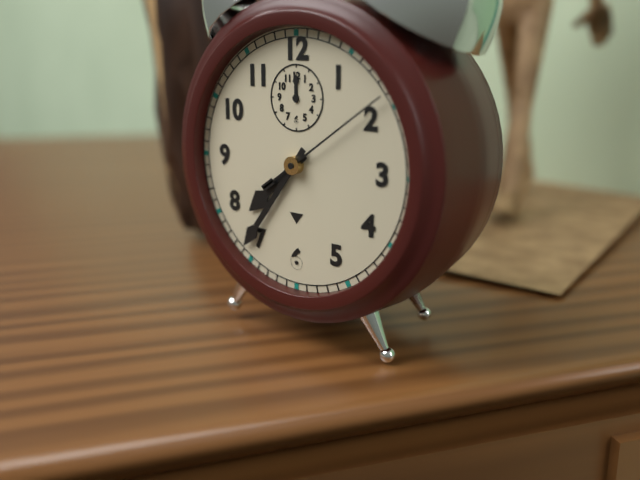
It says 7:36:09
